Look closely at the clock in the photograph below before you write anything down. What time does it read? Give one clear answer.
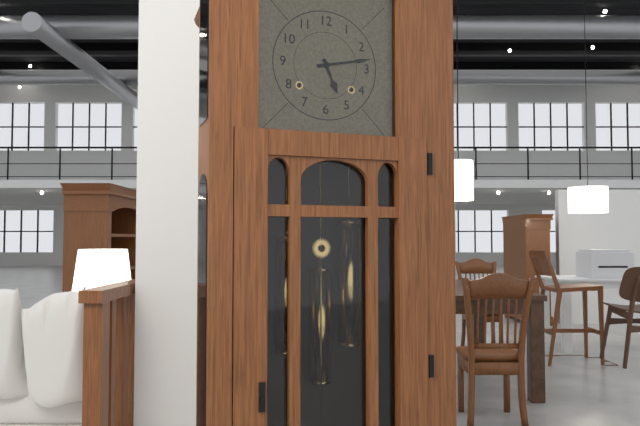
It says 5:13
